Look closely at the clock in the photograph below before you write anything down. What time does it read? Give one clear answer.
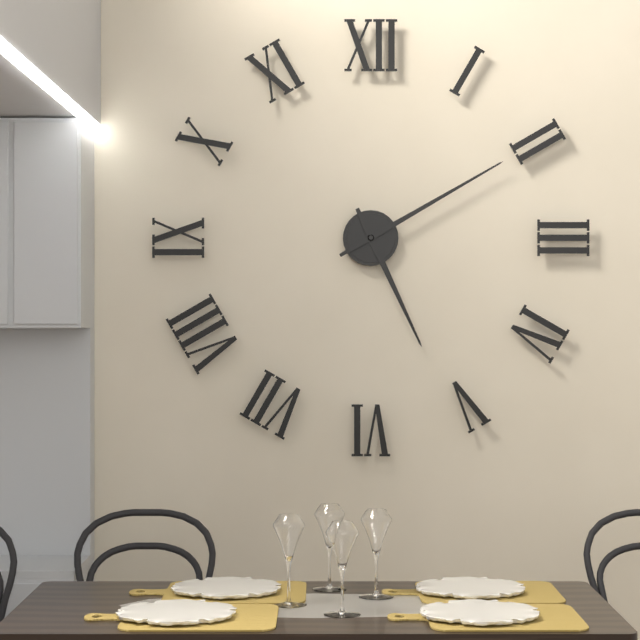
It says 5:10
